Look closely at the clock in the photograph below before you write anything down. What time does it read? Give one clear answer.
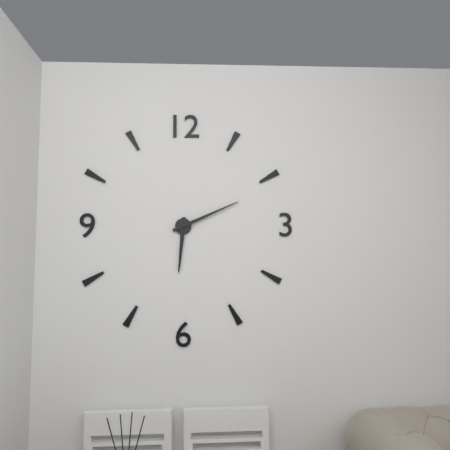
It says 6:11
